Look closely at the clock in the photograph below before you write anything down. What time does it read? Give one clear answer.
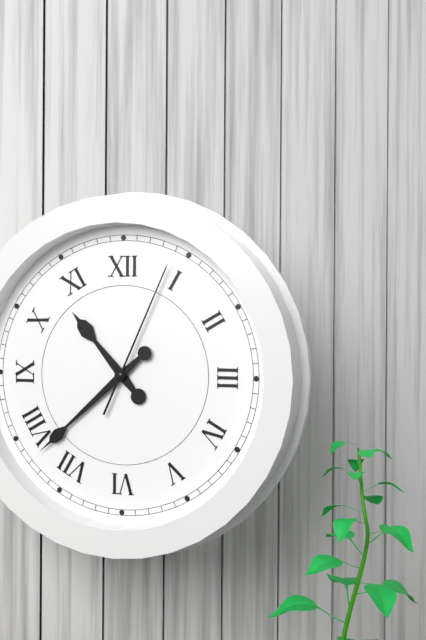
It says 10:38:04
